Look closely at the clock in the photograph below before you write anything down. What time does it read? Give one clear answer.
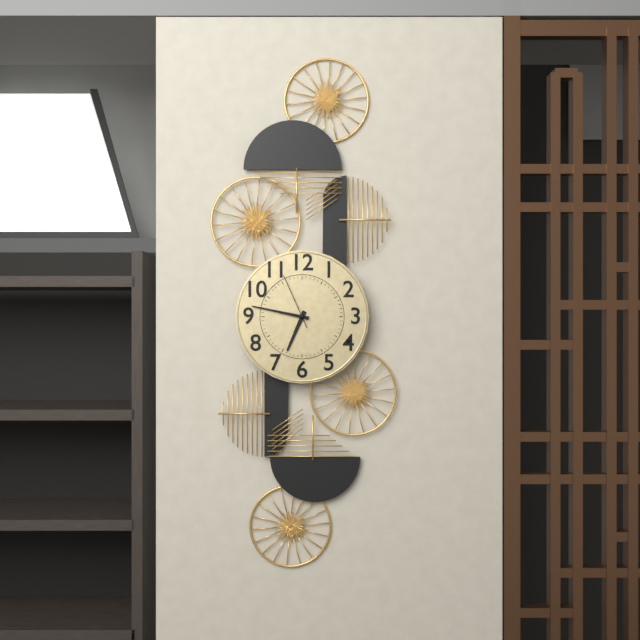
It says 6:47:56
